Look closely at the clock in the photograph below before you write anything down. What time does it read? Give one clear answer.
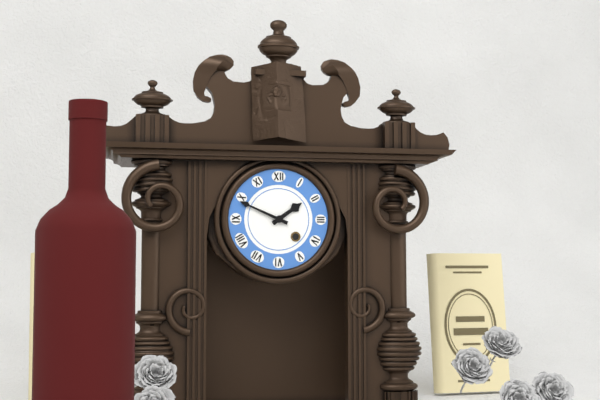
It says 1:49
